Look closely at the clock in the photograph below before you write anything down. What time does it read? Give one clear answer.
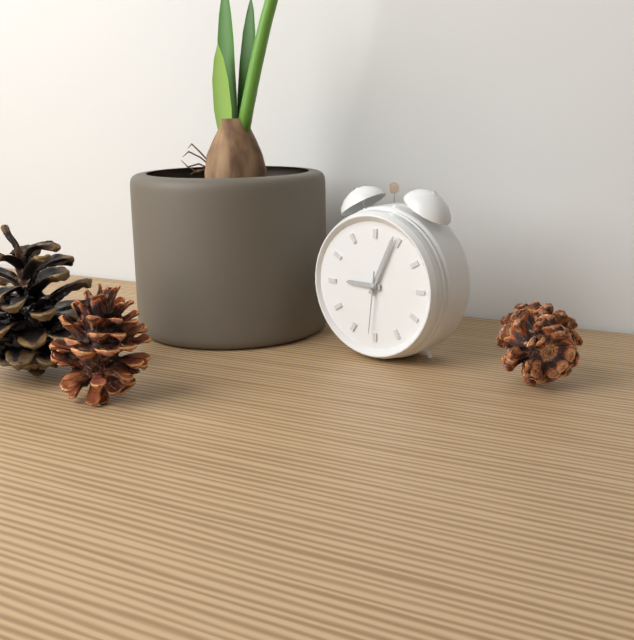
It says 9:04:31
